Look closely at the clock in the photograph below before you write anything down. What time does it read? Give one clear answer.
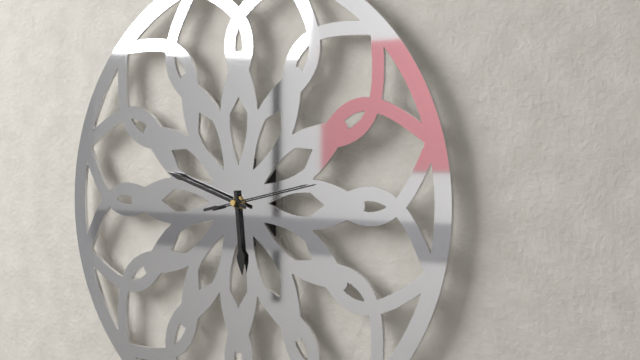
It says 5:48:13
